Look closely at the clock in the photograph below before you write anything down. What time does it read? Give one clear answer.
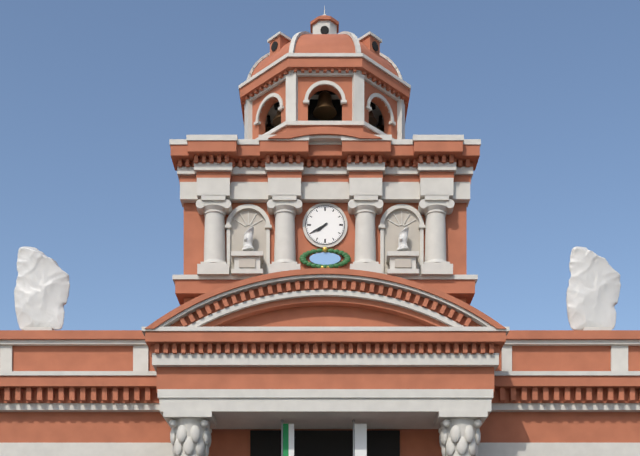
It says 7:40
